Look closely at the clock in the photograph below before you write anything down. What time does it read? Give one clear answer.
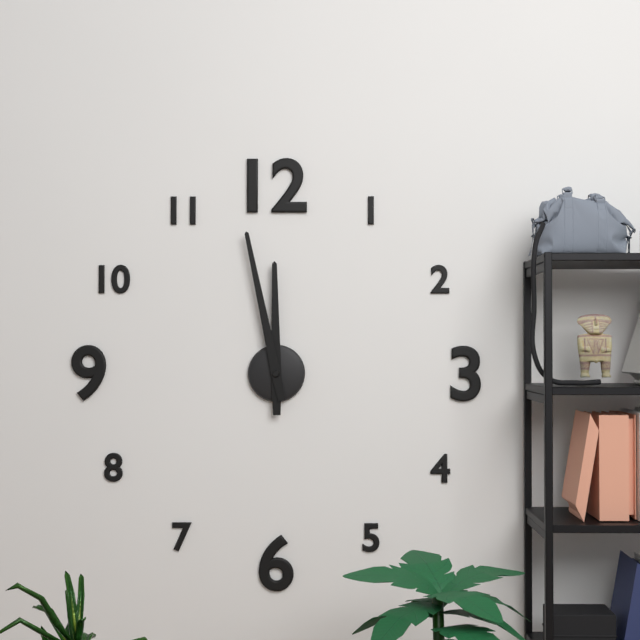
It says 11:58
